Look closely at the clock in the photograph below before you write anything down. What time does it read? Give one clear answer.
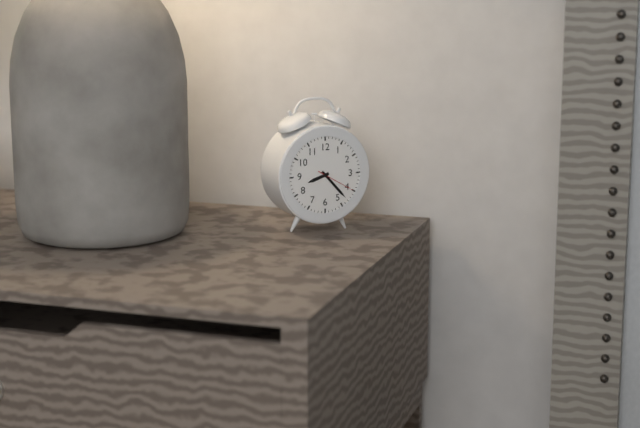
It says 8:23
